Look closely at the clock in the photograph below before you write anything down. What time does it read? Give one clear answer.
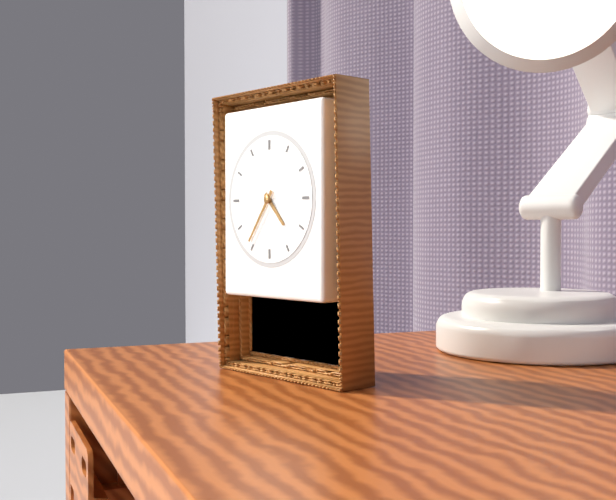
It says 4:36
